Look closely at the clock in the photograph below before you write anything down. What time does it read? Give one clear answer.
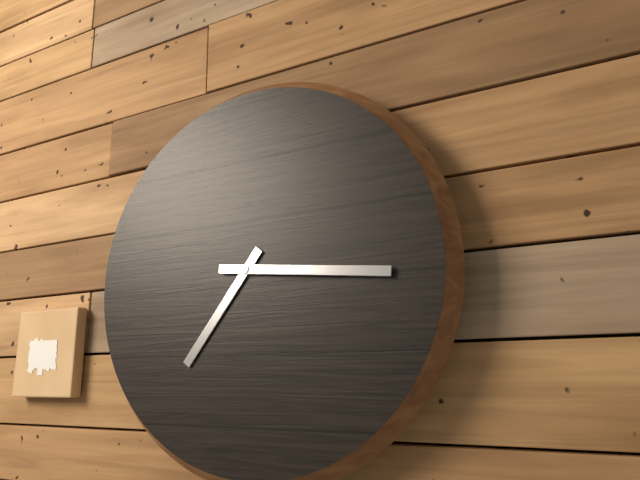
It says 7:16
